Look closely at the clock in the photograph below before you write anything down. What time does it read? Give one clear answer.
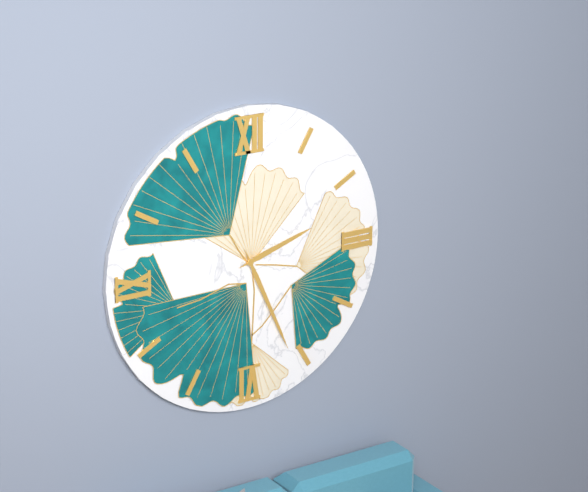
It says 2:26
